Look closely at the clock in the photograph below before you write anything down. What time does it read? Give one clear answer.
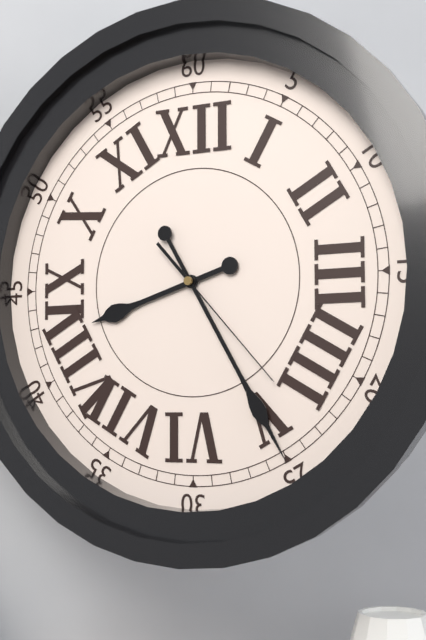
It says 8:25:23
